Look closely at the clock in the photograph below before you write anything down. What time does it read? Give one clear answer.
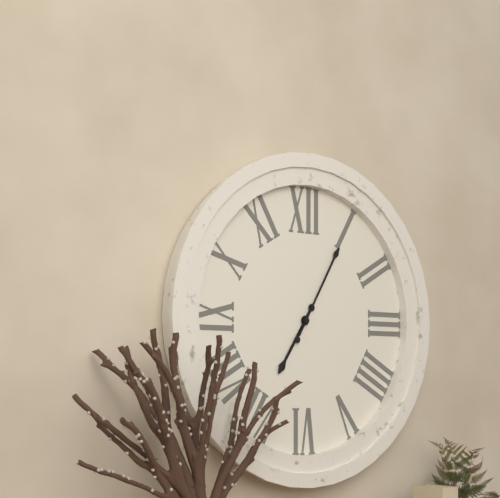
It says 7:05
